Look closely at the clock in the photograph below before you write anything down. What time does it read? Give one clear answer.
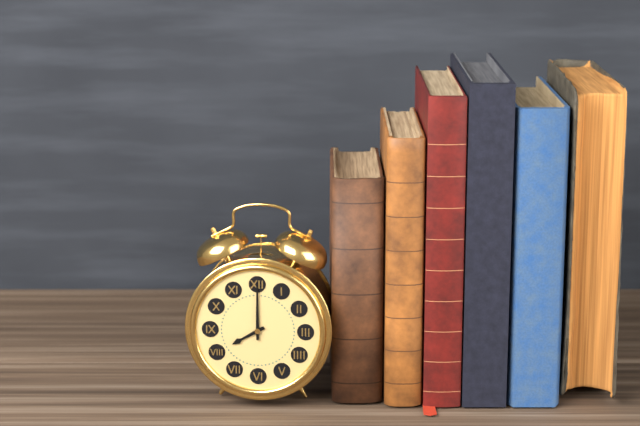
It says 8:00
